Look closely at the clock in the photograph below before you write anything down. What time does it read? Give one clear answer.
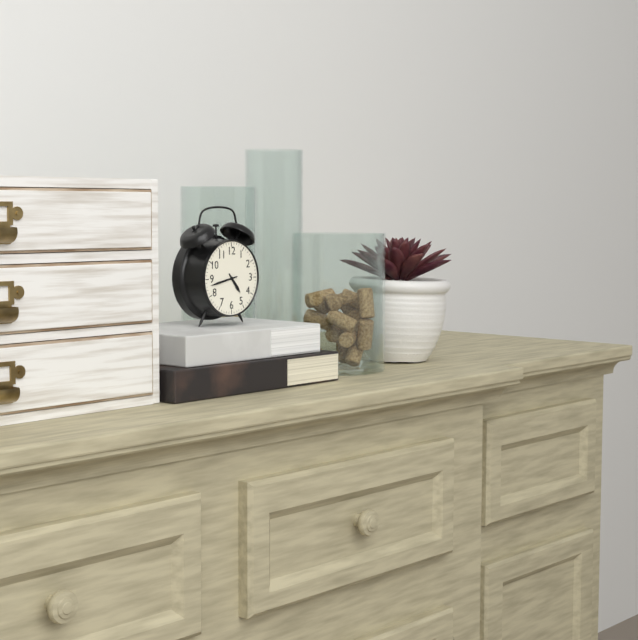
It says 4:43
